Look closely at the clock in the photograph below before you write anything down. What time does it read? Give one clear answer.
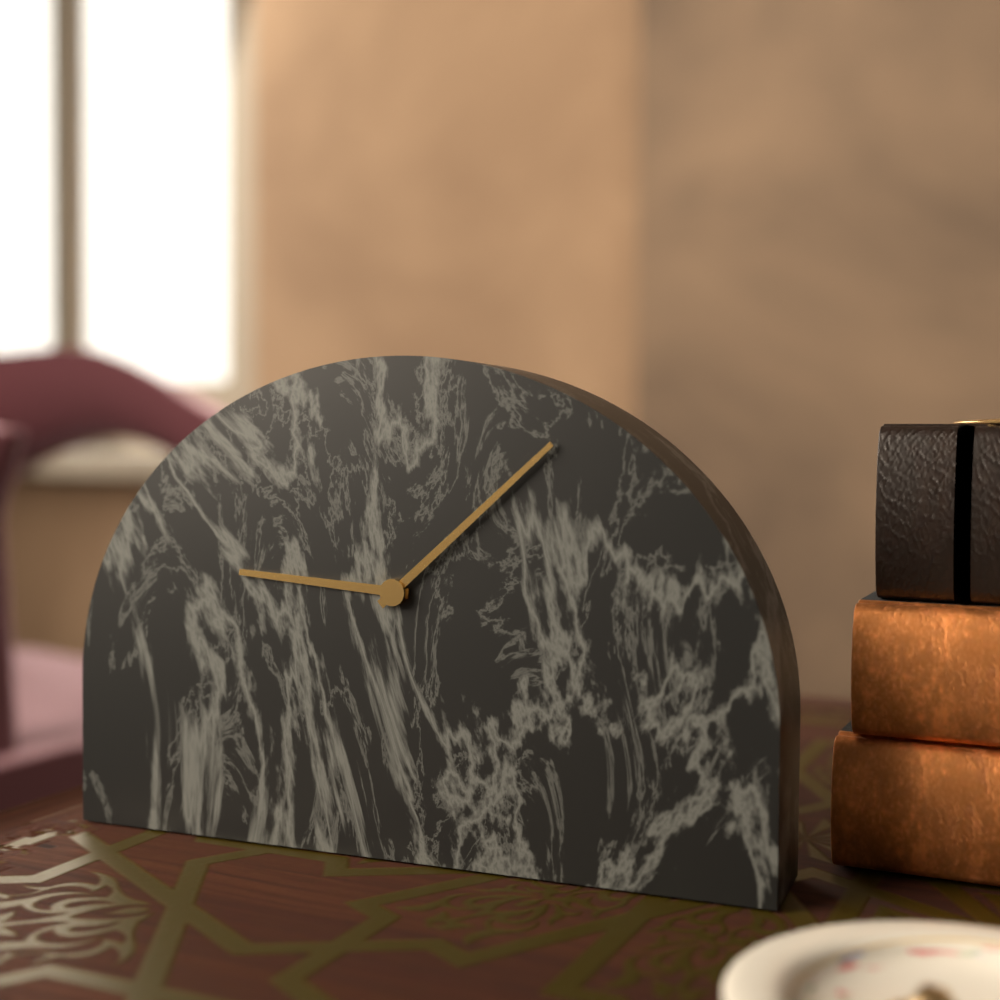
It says 9:08
